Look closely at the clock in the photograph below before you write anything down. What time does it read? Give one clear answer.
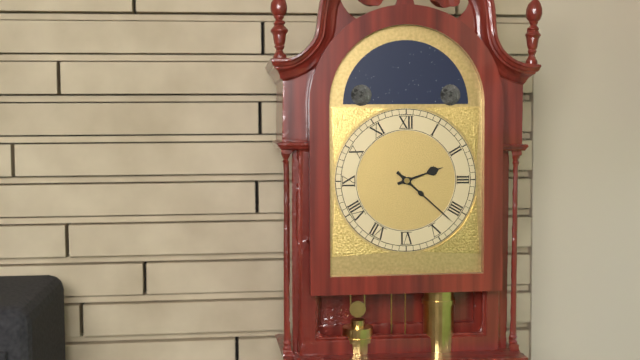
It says 2:22
